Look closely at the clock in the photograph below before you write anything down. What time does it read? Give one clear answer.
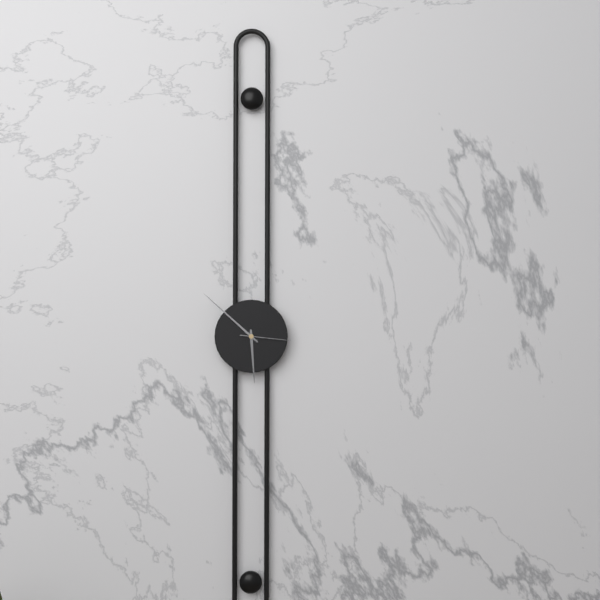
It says 5:52:16
